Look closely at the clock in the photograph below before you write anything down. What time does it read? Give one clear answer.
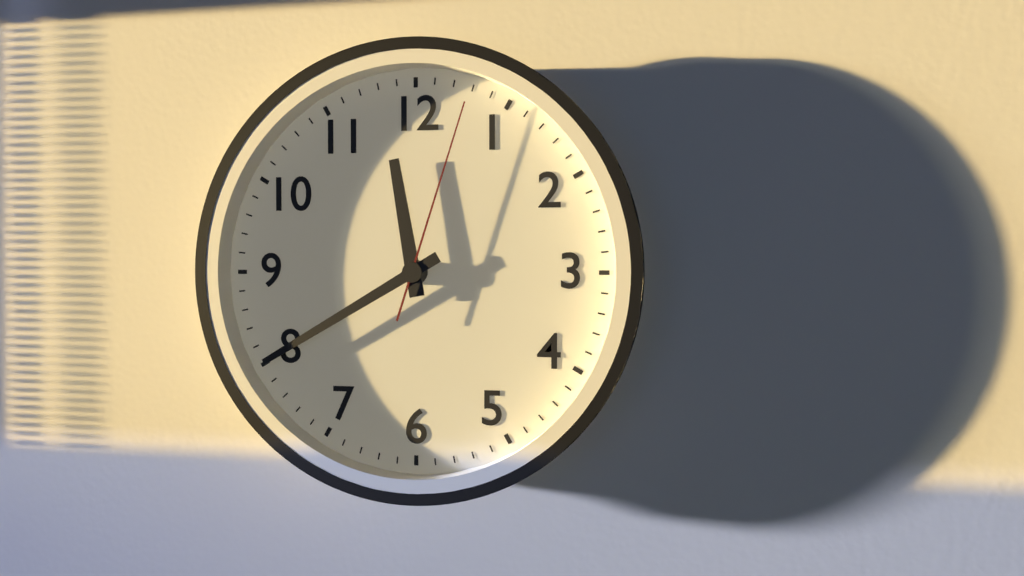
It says 11:40:03
